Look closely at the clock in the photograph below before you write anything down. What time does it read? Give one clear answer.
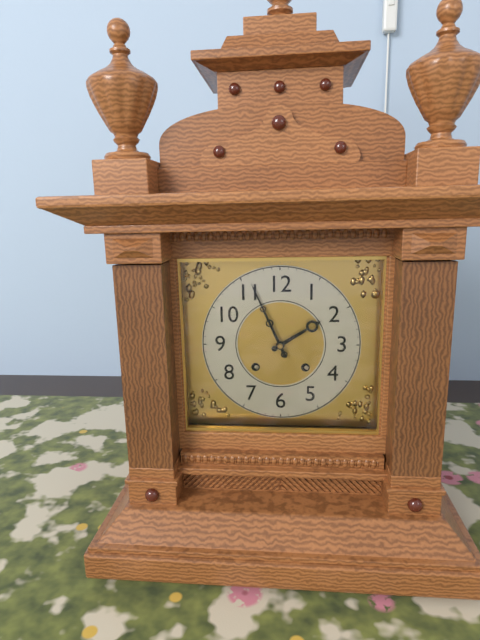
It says 1:56
